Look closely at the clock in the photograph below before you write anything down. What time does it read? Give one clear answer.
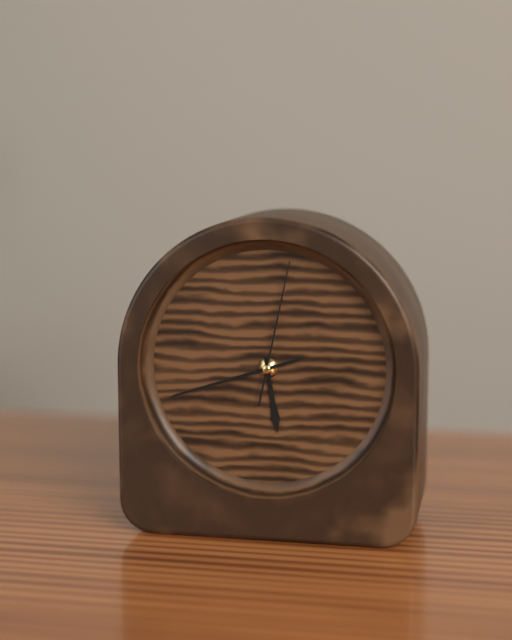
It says 5:42:02
